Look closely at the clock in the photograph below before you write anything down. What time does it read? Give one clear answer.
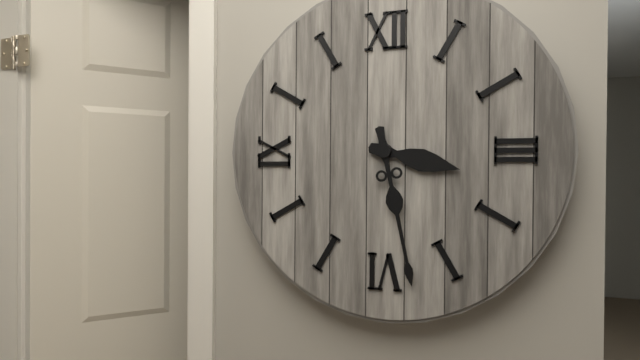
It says 3:28
